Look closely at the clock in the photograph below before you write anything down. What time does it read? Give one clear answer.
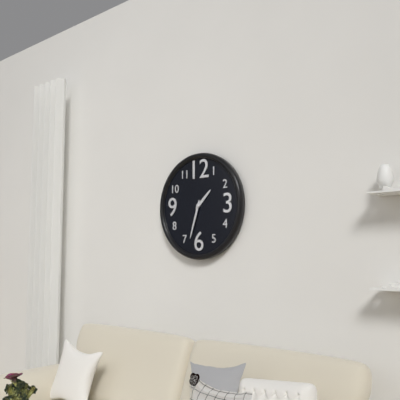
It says 1:33
